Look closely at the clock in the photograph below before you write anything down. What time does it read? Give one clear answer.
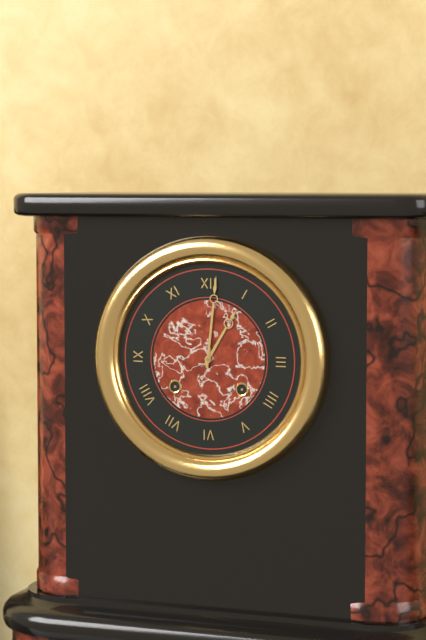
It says 1:01
